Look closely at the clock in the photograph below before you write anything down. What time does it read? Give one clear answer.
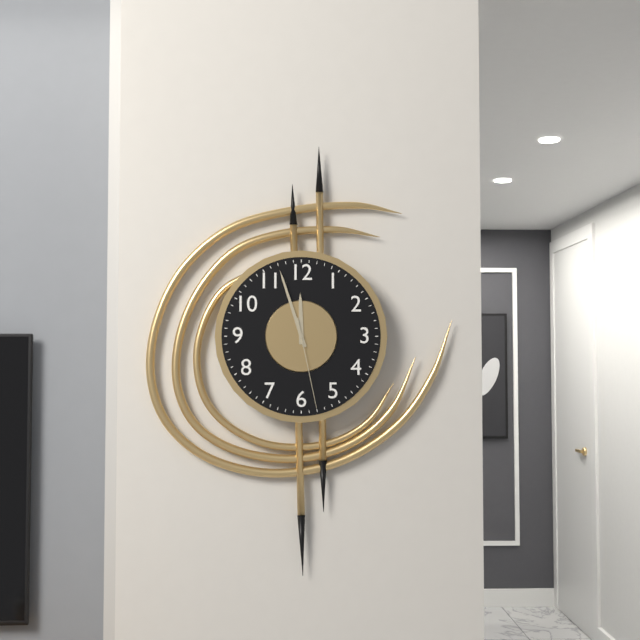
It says 11:57:28
